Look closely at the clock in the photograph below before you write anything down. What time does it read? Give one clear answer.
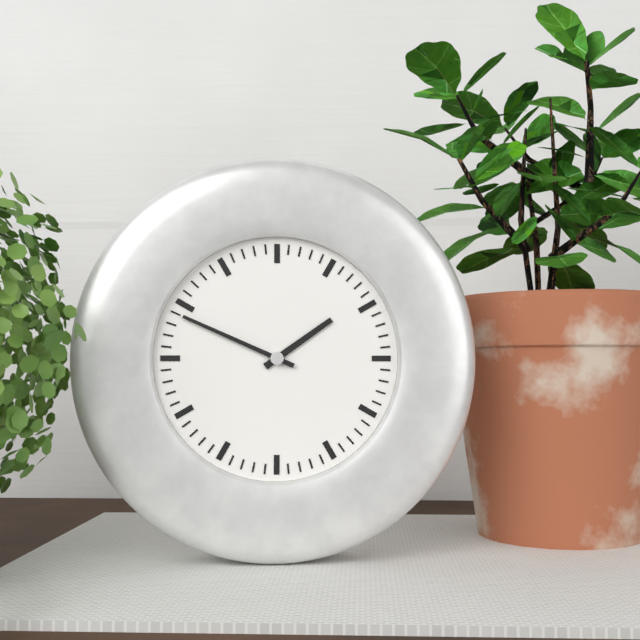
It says 1:49
